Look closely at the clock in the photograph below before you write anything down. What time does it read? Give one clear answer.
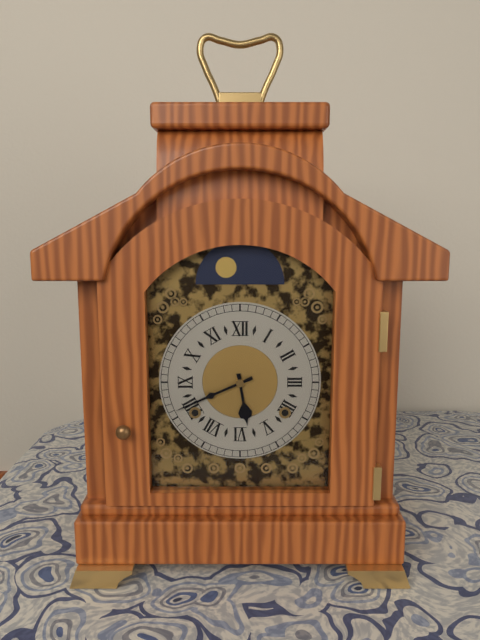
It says 5:41
